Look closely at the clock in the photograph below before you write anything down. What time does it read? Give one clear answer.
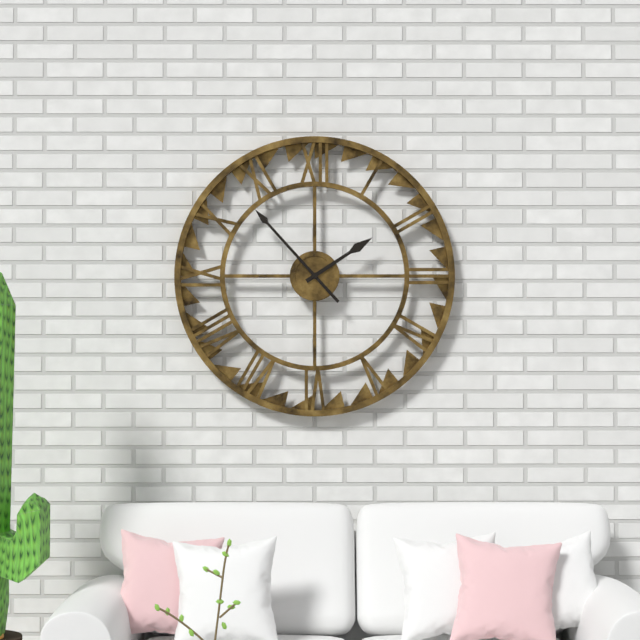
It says 1:53
